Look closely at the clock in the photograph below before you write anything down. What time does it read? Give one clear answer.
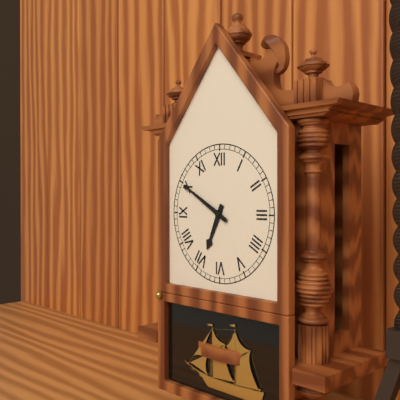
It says 6:50
